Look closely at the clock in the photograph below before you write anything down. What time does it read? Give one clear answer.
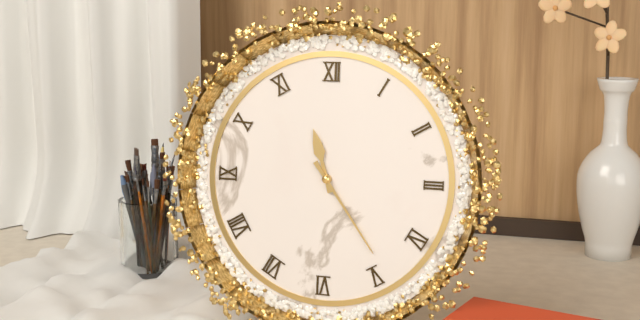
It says 11:24
